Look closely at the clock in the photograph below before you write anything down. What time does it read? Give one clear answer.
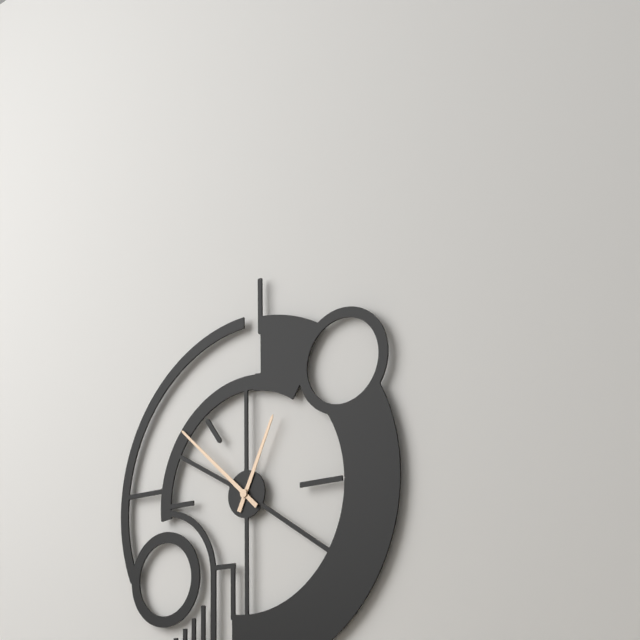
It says 12:52
